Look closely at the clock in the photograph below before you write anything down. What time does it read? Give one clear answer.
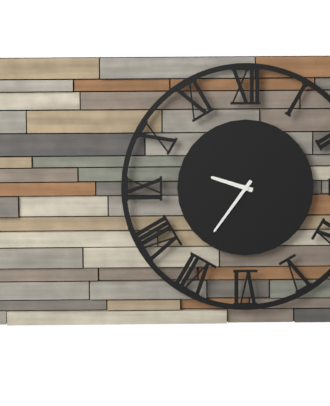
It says 9:36
